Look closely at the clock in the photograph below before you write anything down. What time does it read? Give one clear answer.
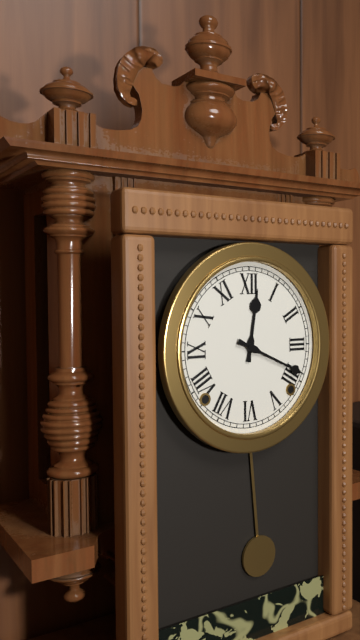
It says 12:19
